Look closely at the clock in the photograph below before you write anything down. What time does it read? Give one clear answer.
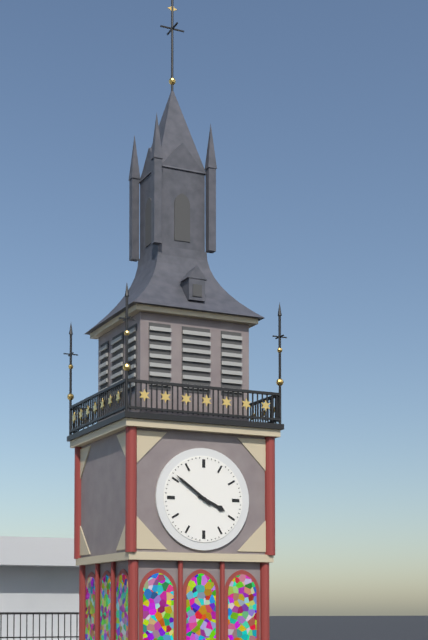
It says 3:51
